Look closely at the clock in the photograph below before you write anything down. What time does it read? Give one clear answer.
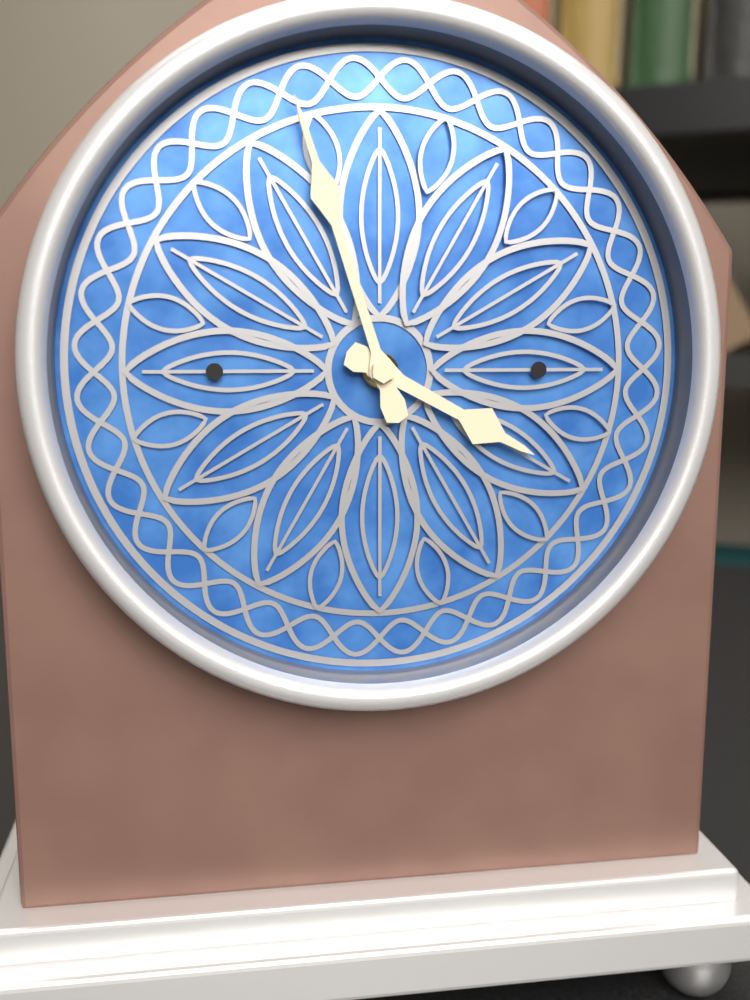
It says 3:57
